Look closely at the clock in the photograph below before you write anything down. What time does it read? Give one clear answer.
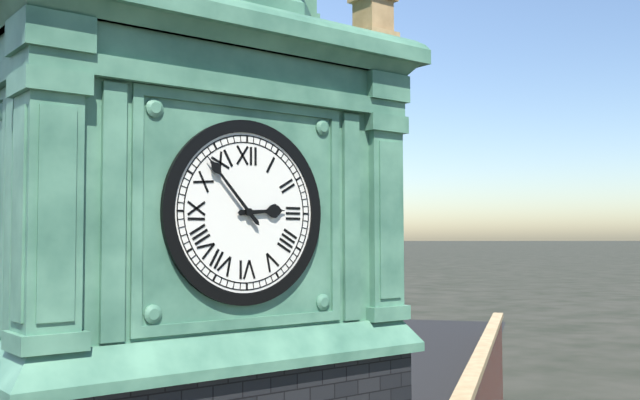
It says 2:53
